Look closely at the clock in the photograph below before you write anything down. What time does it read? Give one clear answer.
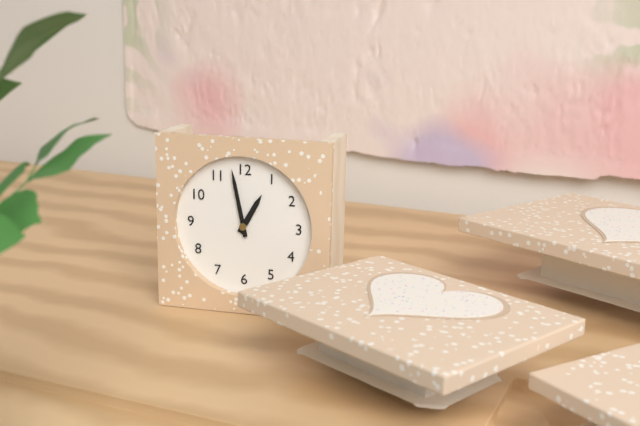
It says 12:58
